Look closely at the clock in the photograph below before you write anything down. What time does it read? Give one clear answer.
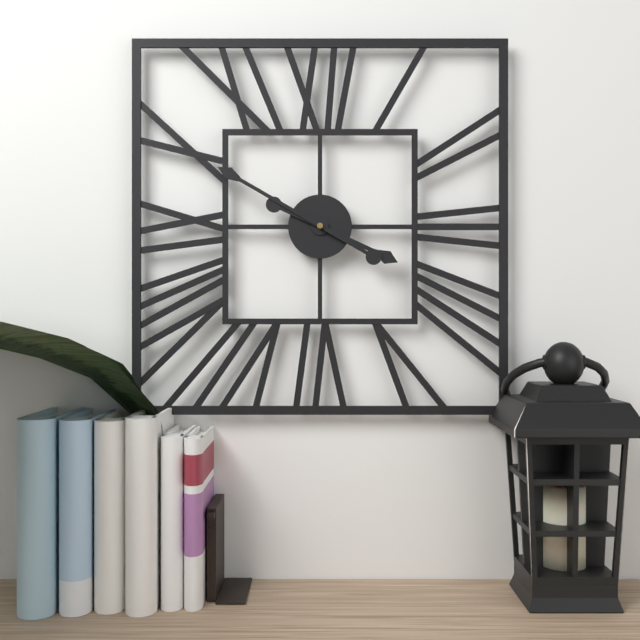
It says 3:50
